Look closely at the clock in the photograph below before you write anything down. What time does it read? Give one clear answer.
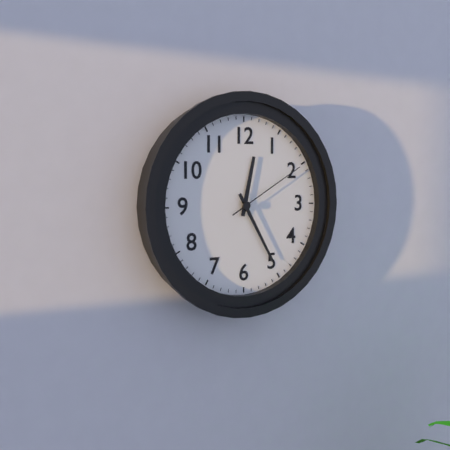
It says 12:25:10
